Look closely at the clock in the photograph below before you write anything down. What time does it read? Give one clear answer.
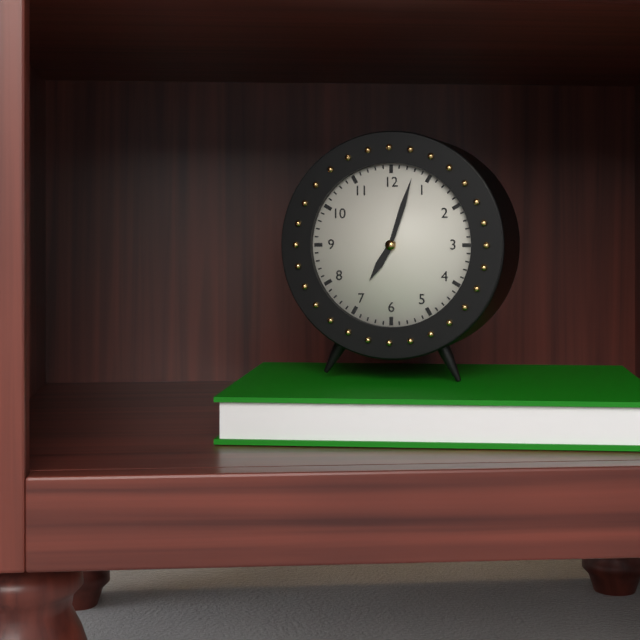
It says 7:03
